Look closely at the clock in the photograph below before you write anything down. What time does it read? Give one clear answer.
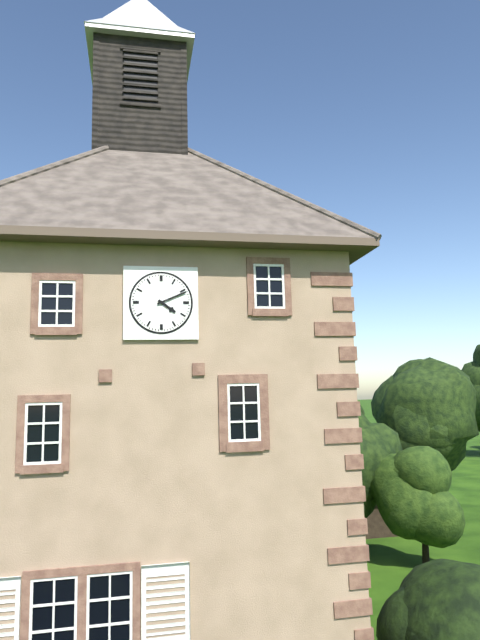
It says 4:11
